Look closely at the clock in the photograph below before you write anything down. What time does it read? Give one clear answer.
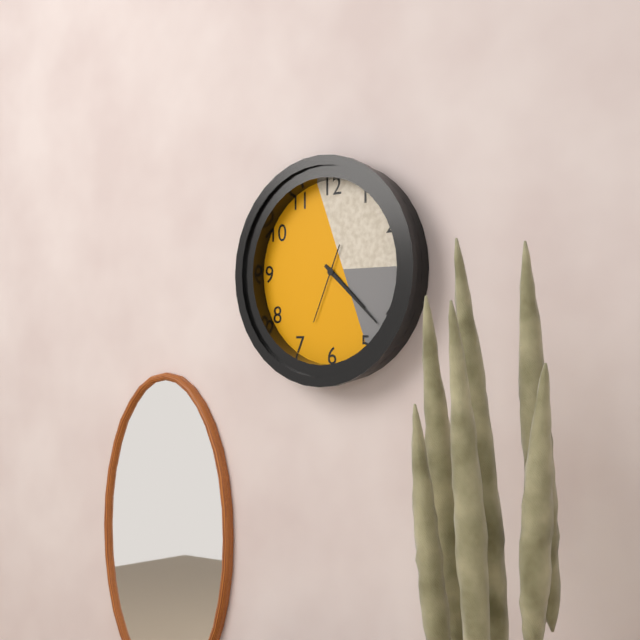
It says 4:22:34
